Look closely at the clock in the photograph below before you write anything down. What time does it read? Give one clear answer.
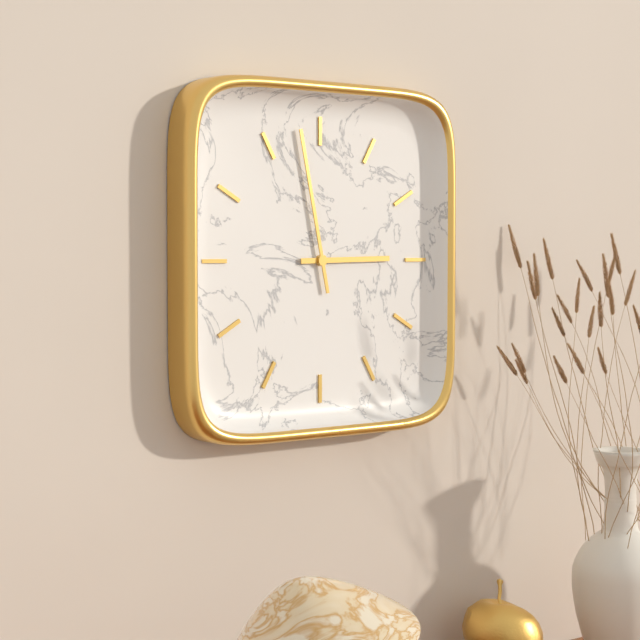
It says 2:58
